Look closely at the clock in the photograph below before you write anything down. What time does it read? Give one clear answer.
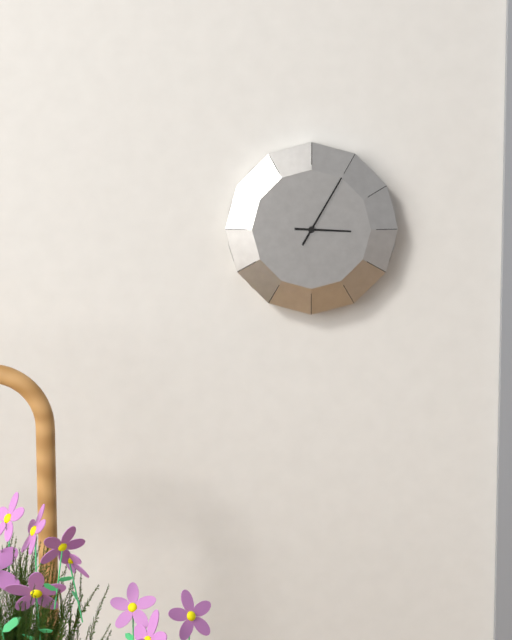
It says 3:05
